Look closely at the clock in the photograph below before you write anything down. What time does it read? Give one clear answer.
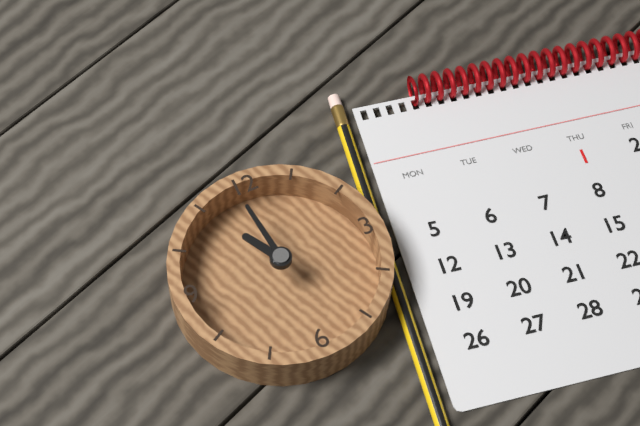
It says 10:59
